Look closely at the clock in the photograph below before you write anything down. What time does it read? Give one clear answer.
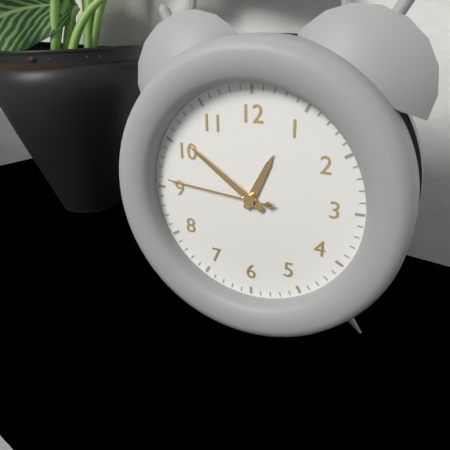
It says 12:51:46
